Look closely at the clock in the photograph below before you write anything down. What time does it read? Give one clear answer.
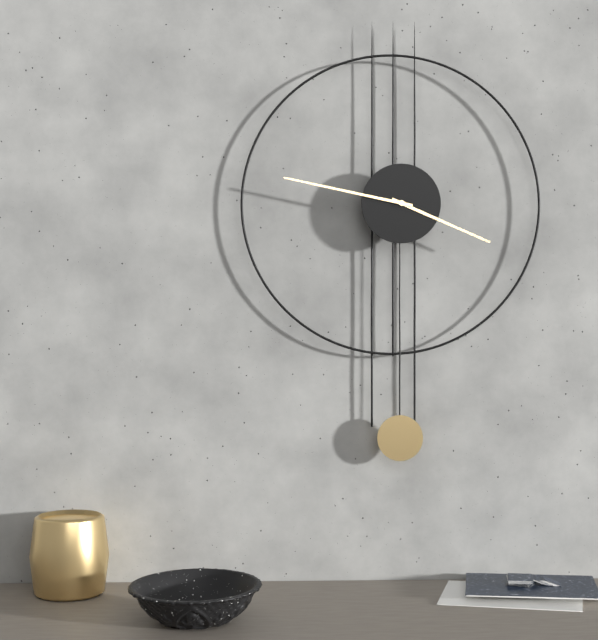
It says 3:47
